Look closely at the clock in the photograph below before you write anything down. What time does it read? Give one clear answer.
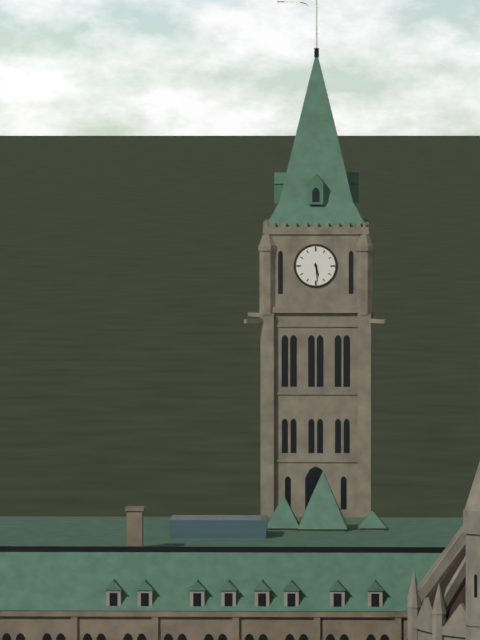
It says 5:29
